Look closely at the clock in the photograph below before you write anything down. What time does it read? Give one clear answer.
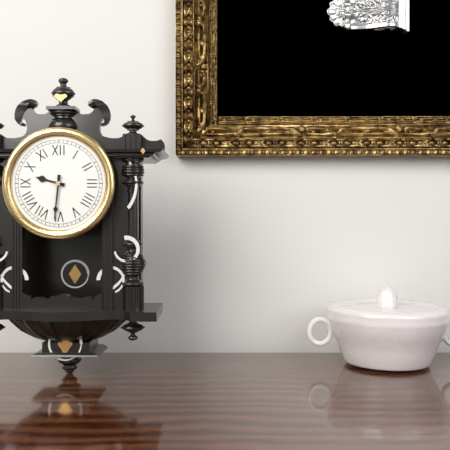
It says 9:31
